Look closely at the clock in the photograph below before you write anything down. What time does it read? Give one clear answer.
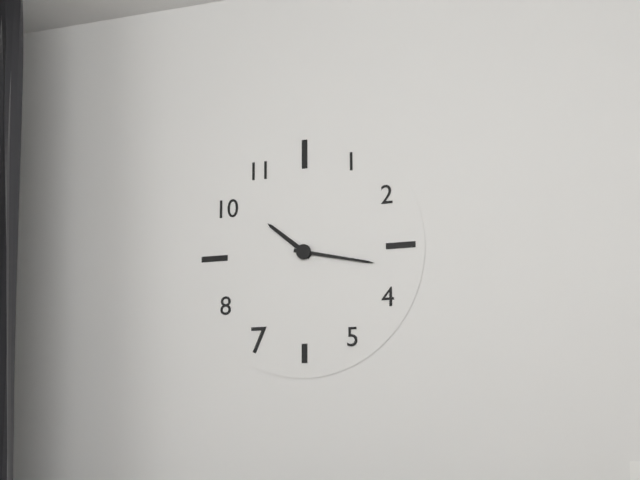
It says 10:17
